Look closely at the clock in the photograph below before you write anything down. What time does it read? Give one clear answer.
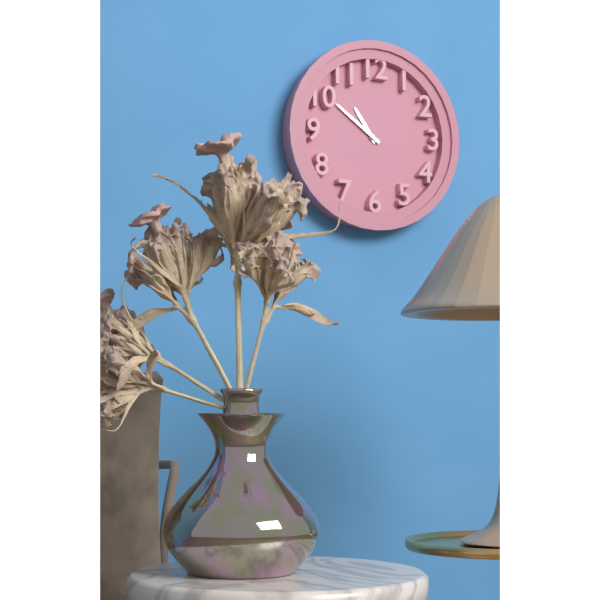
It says 10:51
